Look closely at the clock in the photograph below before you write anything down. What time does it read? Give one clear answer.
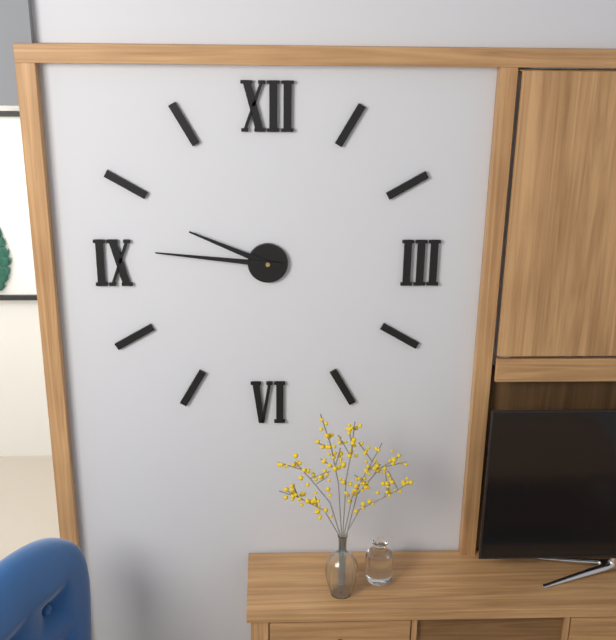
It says 9:46
